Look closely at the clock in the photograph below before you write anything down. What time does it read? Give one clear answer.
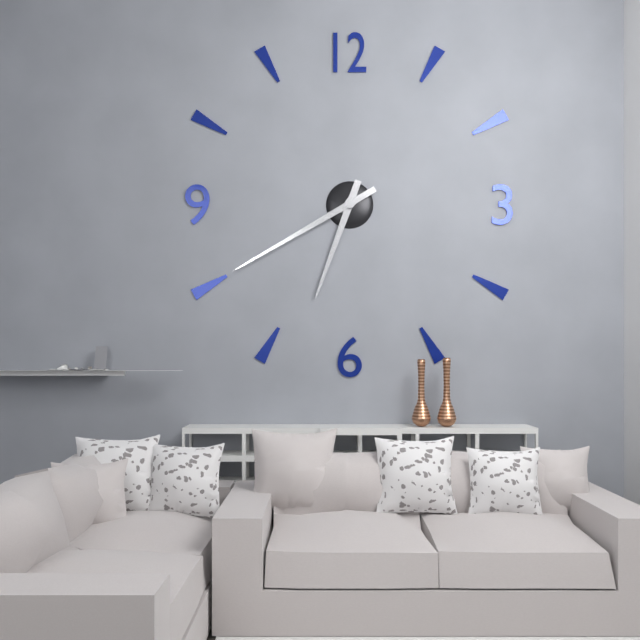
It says 6:40
